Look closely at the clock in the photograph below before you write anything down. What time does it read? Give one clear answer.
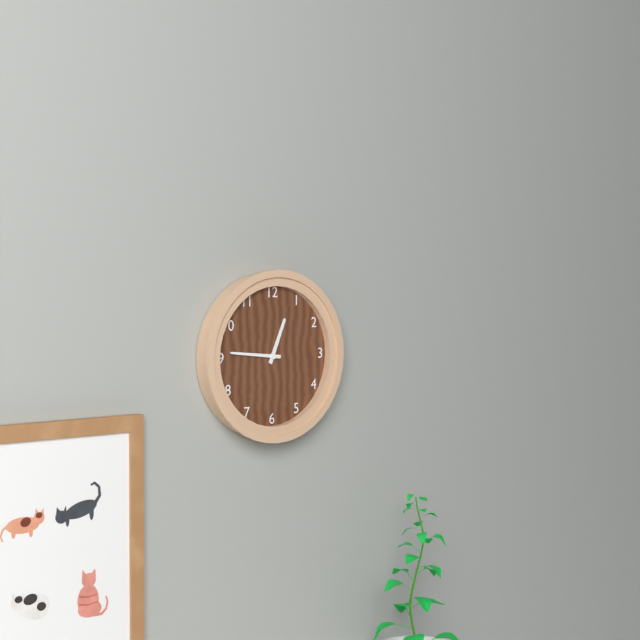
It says 12:46
